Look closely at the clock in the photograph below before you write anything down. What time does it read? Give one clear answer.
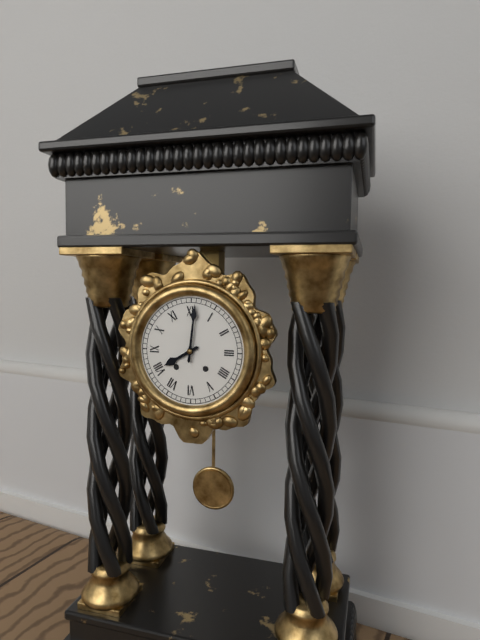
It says 8:01
